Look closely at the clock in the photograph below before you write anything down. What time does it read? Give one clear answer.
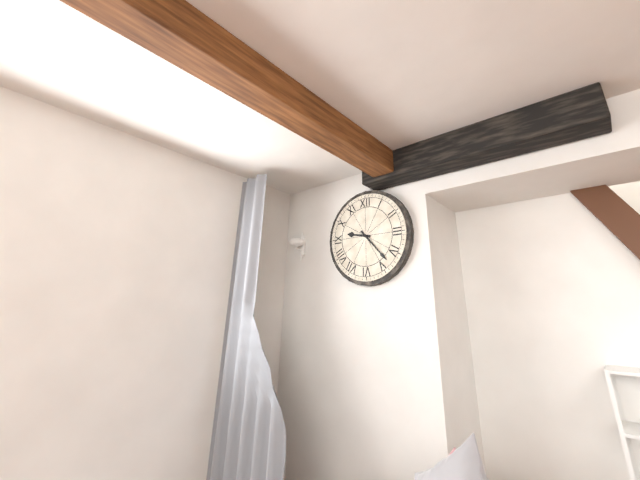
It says 9:23
